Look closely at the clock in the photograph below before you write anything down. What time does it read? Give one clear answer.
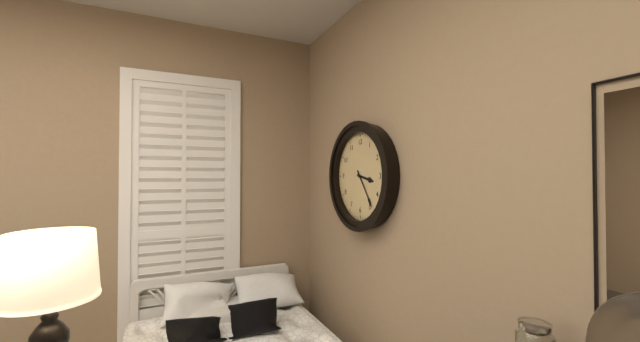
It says 3:24
